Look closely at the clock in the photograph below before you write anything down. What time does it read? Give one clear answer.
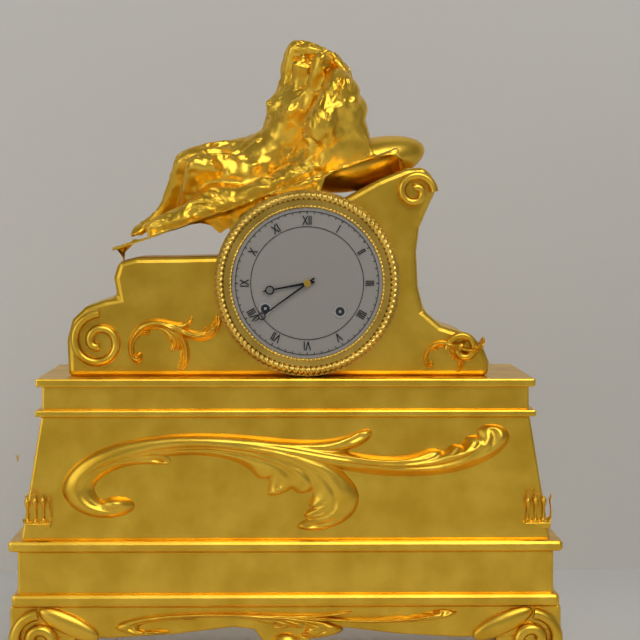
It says 8:39
